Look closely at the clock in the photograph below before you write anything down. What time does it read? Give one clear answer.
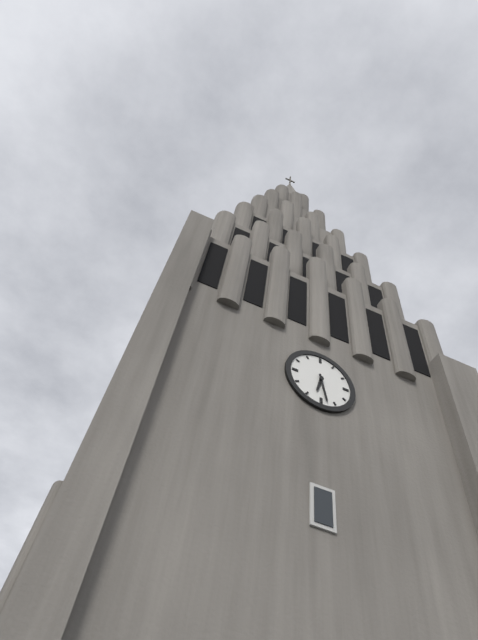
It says 6:28
